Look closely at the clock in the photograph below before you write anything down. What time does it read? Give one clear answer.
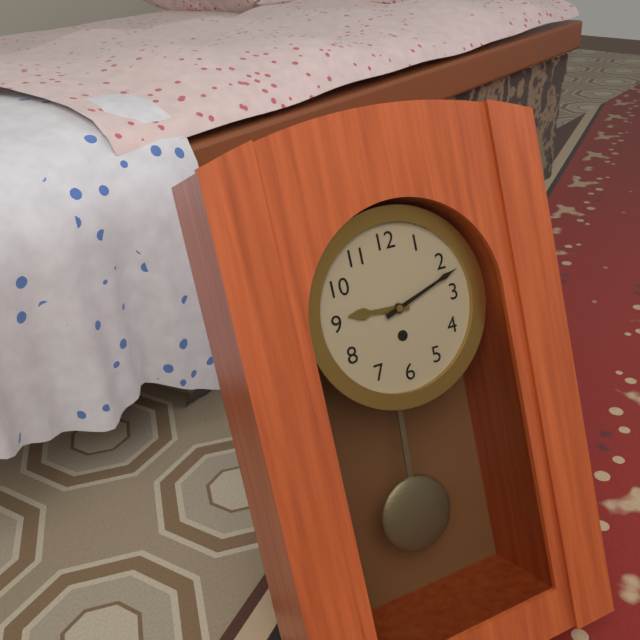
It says 9:12
